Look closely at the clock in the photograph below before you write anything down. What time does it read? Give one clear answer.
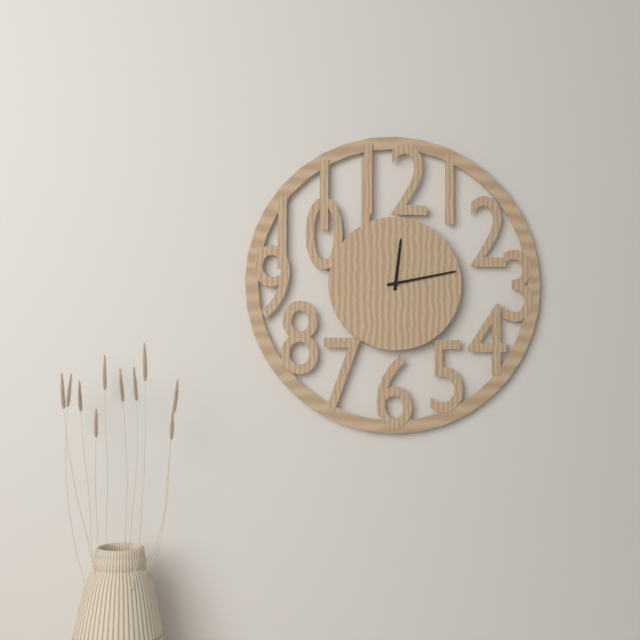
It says 12:13
